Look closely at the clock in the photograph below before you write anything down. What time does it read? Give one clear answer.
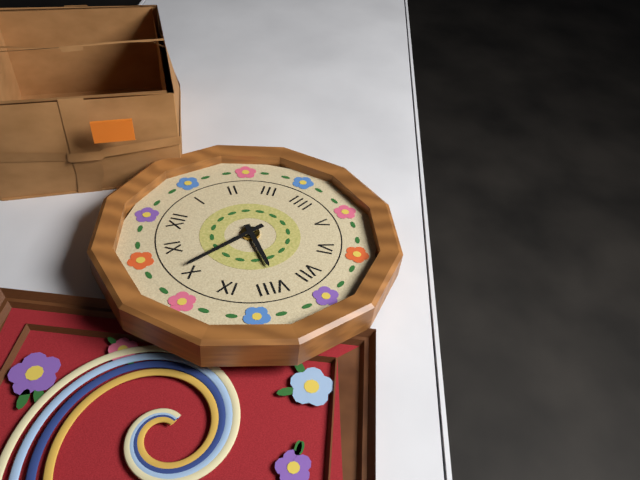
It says 7:51
